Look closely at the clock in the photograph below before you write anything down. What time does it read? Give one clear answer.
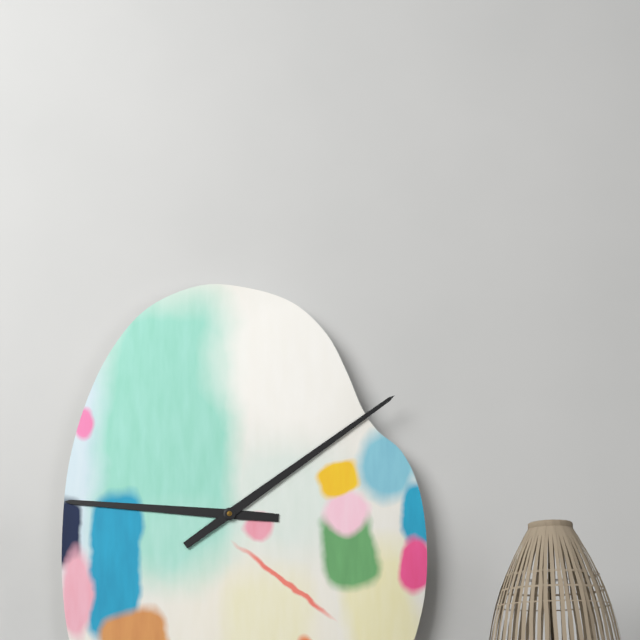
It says 9:09
